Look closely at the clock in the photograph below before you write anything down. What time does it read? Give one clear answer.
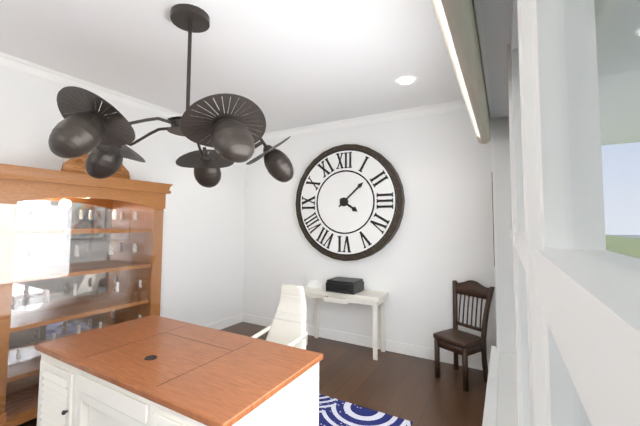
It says 4:08
